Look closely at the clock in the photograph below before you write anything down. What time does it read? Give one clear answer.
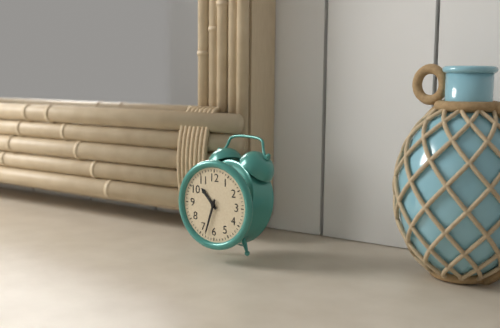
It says 10:33
